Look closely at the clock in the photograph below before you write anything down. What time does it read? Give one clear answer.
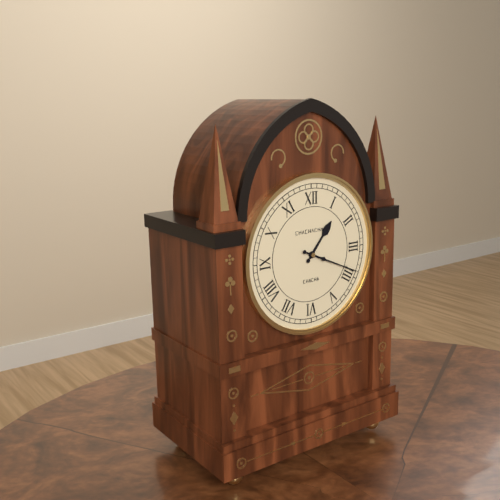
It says 1:19
